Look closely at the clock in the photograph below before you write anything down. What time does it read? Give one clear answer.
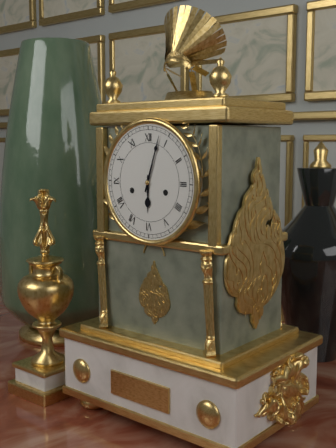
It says 6:03
